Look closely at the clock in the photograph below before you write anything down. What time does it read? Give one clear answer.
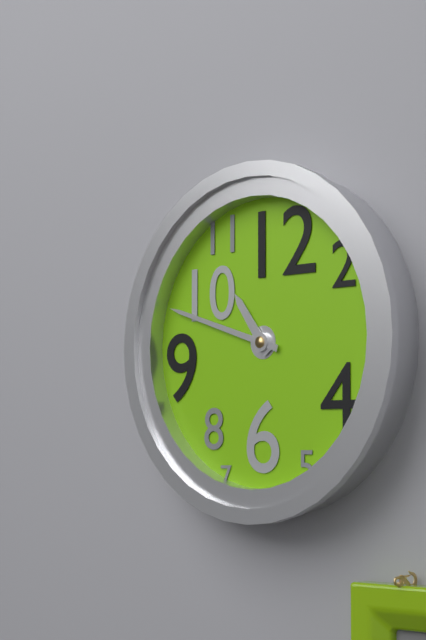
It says 10:48
